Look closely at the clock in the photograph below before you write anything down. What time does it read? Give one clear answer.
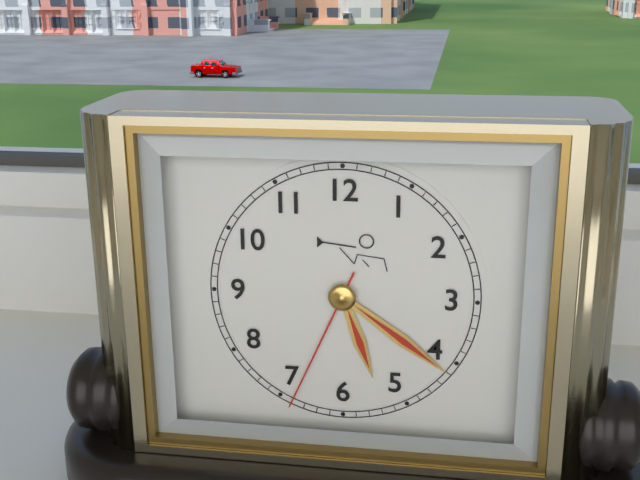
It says 5:21:34
